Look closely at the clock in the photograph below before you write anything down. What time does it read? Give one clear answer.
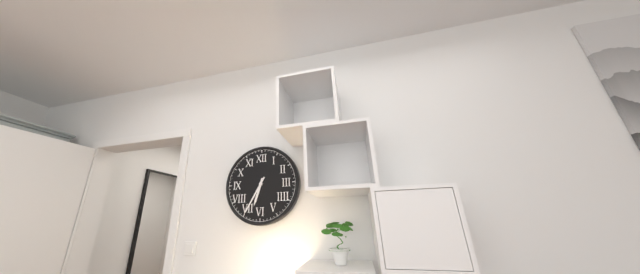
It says 6:35
